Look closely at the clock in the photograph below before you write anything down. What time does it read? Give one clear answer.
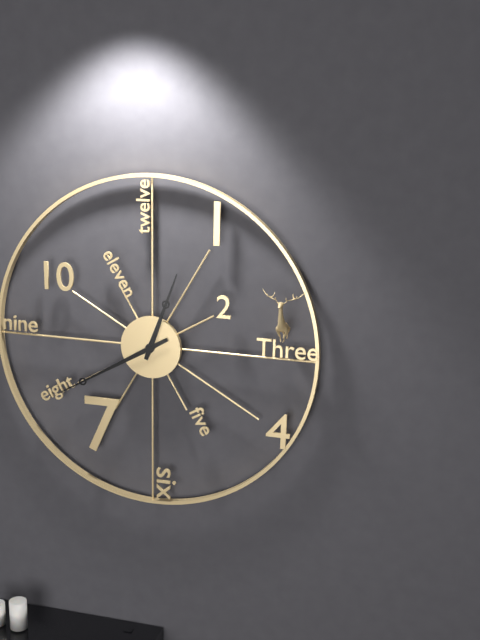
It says 12:40
